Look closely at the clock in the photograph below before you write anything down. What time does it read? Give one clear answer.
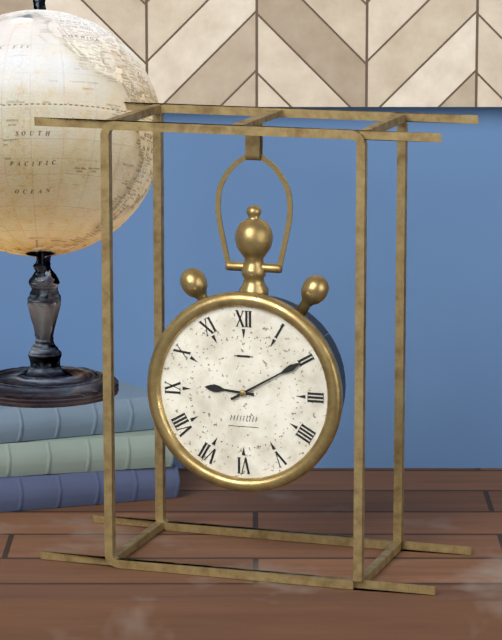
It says 9:10
